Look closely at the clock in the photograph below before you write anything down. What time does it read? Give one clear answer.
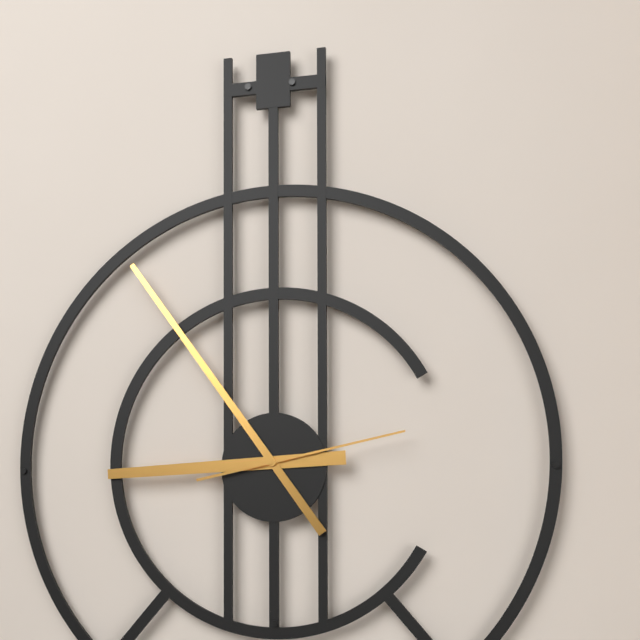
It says 8:54:13
